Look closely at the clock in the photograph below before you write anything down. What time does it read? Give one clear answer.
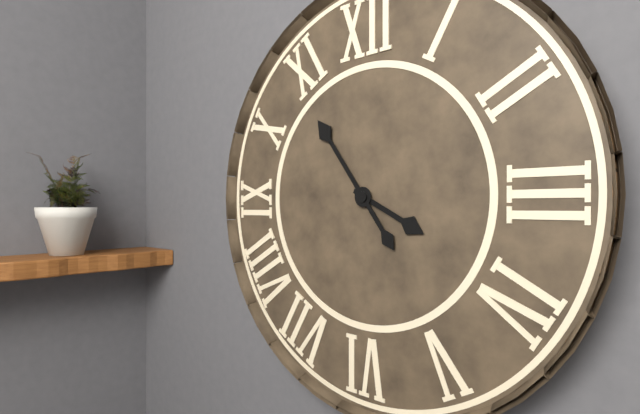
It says 3:54
